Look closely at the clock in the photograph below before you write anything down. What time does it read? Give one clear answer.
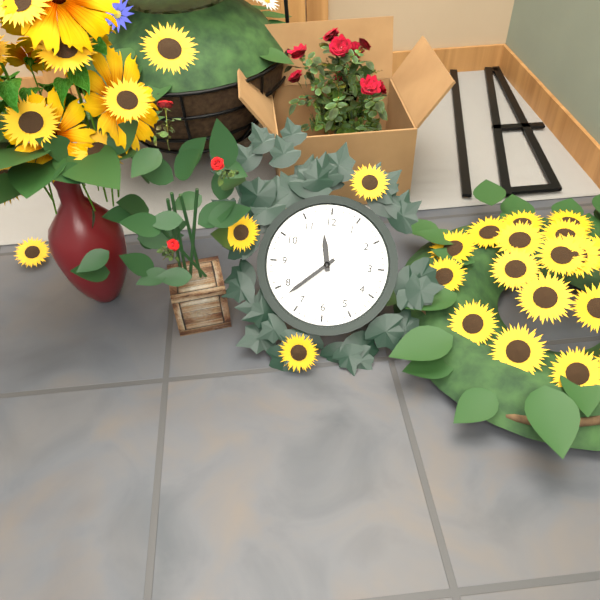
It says 11:38
